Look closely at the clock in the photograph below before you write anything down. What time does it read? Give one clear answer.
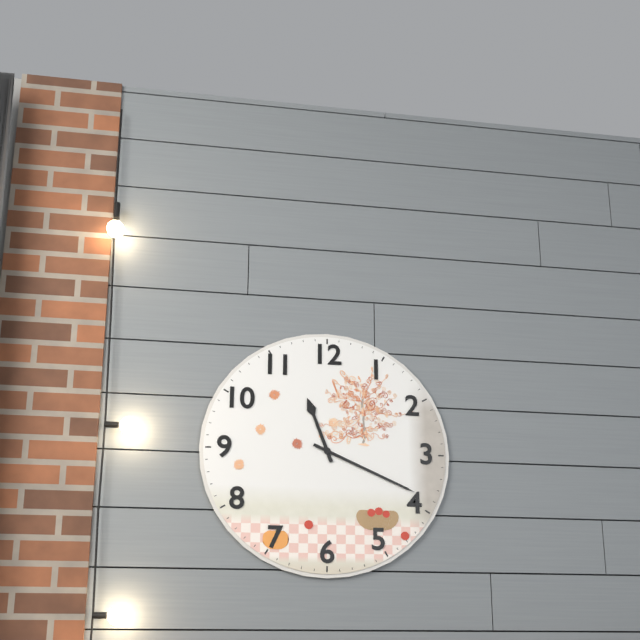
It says 11:19
